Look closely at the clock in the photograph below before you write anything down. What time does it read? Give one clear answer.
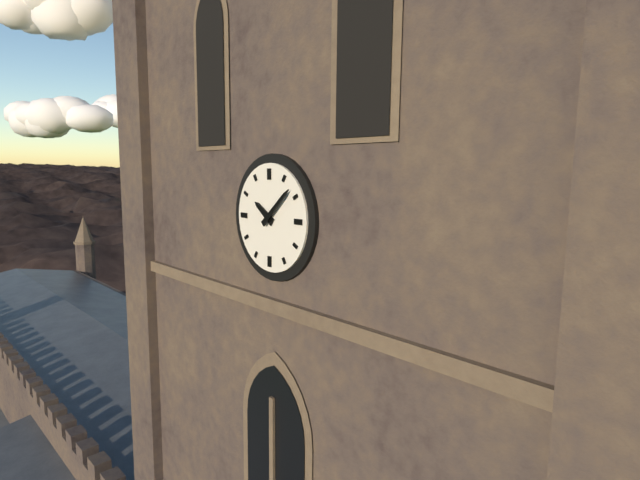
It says 10:08
